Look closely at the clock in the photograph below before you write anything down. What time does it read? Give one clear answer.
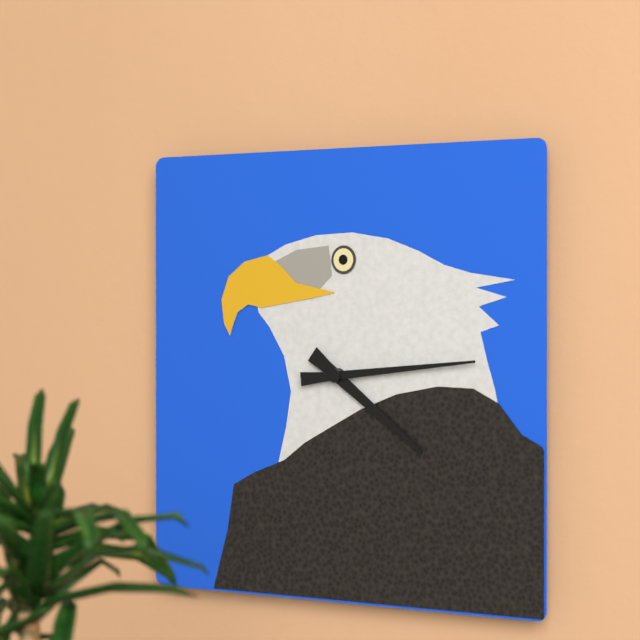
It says 4:14
